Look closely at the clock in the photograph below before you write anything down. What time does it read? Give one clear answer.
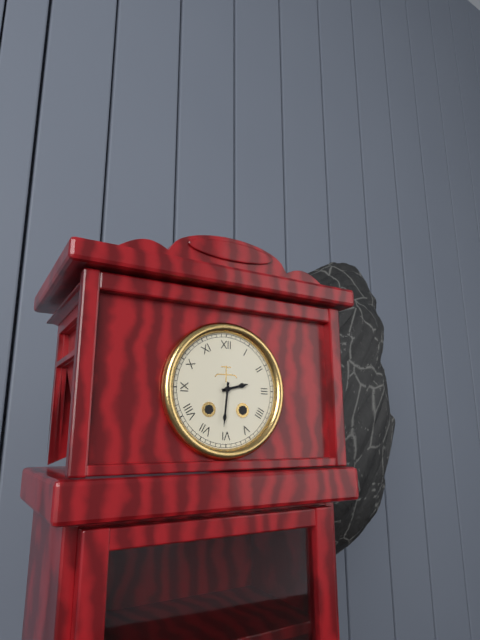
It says 2:31
